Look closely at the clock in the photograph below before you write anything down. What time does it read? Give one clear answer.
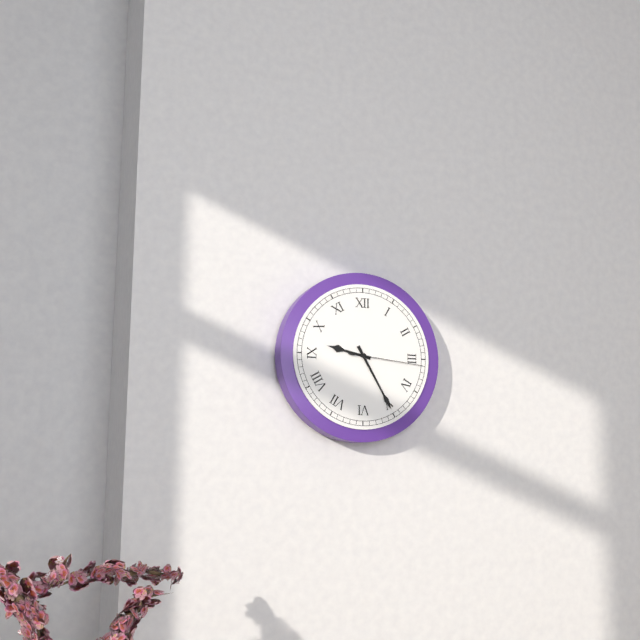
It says 9:25:16
